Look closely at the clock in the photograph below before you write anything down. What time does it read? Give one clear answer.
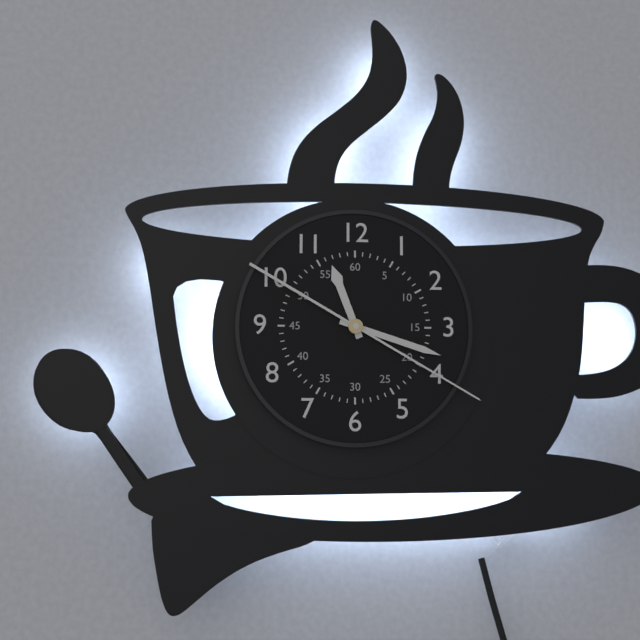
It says 11:18:20
